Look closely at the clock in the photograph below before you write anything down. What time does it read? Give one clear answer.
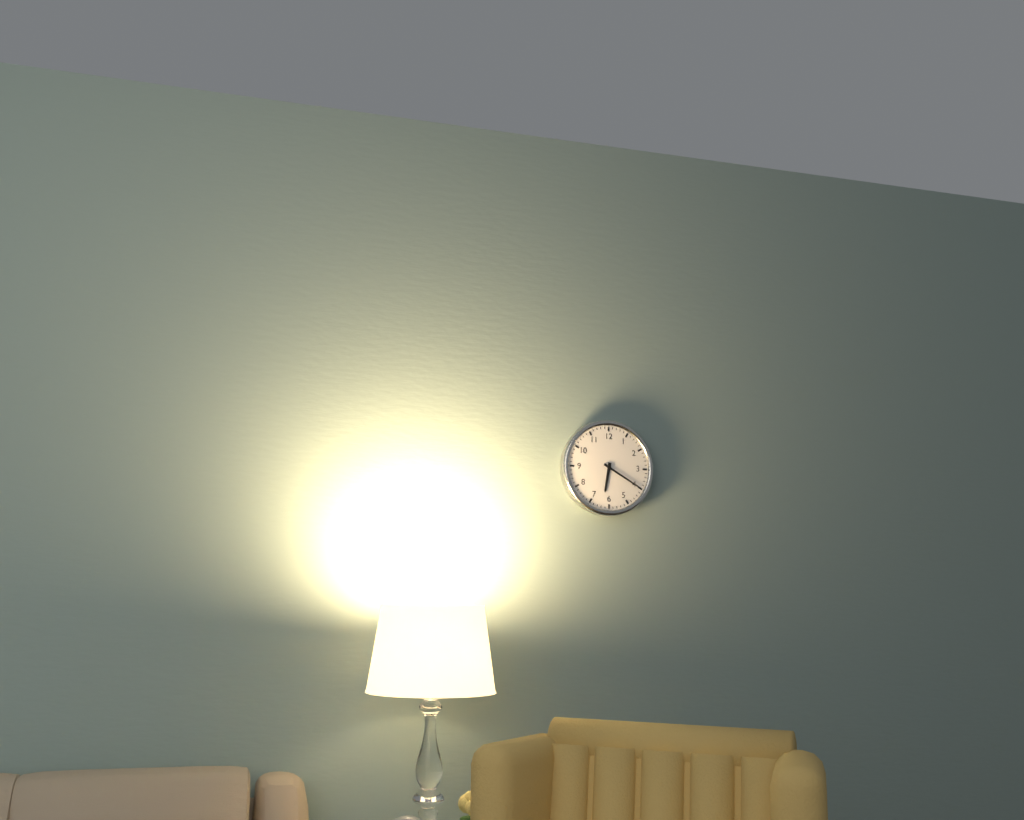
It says 6:20
